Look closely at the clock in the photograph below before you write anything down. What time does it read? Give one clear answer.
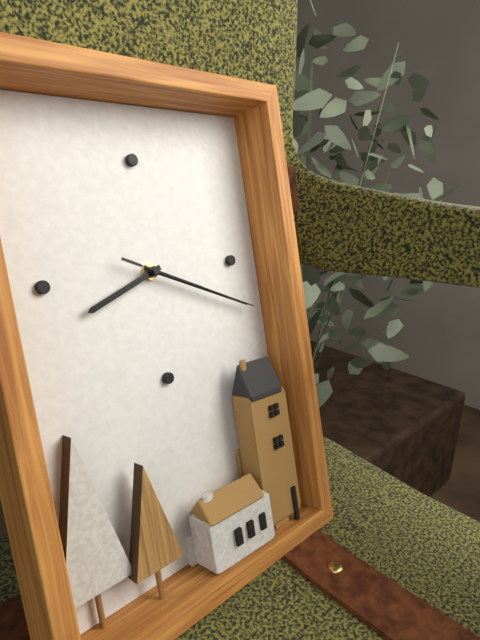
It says 8:19:19
